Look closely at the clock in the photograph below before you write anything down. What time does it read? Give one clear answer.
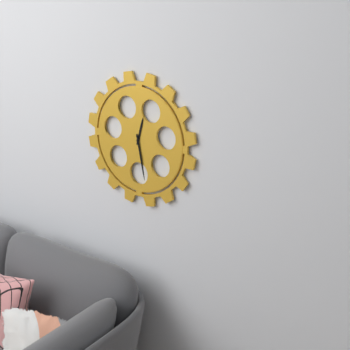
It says 12:28
